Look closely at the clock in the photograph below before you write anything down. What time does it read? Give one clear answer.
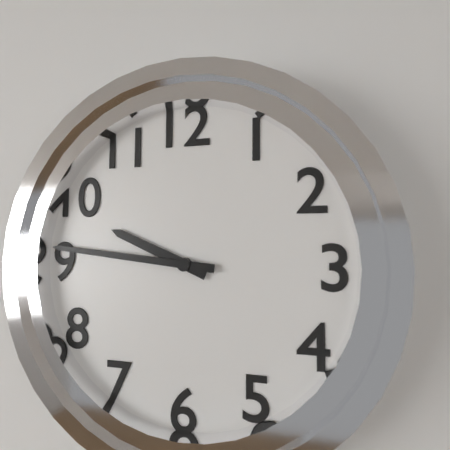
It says 9:46
